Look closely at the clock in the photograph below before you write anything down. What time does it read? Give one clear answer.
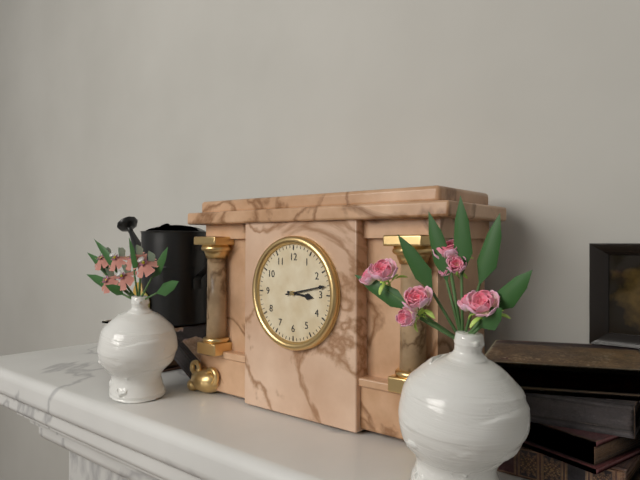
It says 3:13
